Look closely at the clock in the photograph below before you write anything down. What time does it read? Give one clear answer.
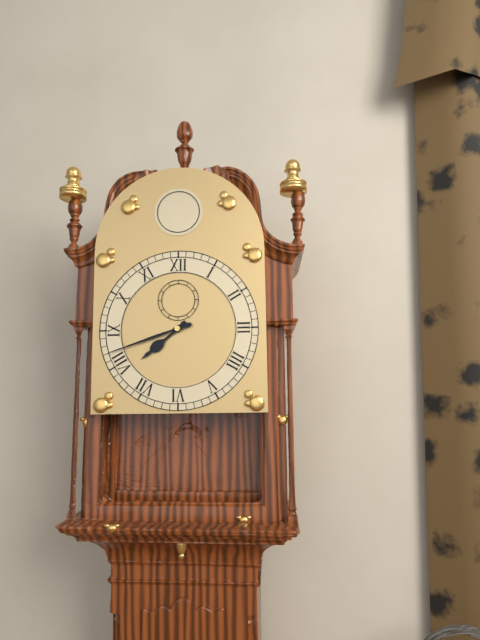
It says 7:42
